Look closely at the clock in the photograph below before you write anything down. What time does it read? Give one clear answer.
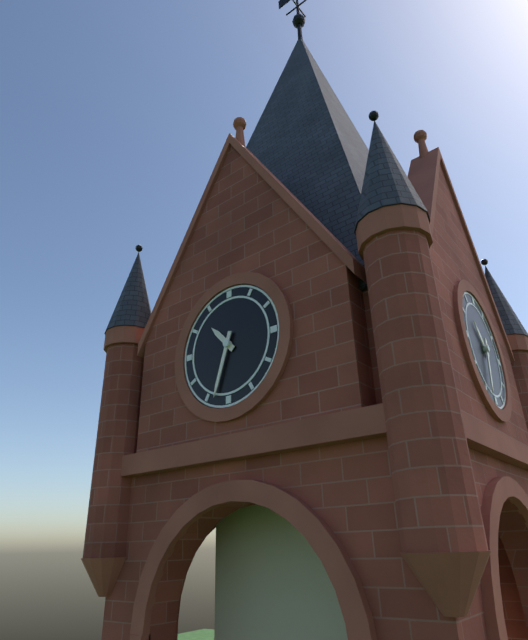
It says 10:33
